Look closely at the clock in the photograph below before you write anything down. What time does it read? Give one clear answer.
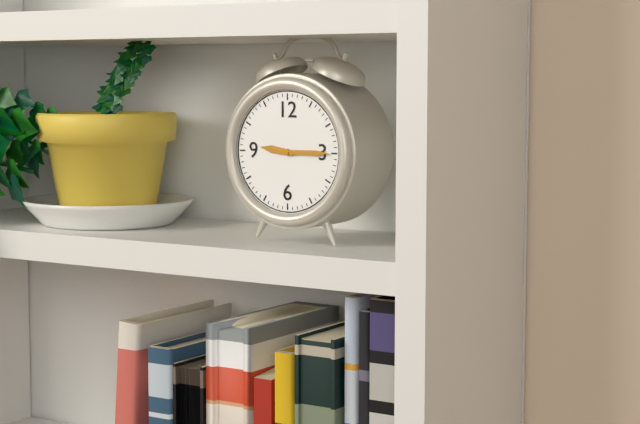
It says 9:15
